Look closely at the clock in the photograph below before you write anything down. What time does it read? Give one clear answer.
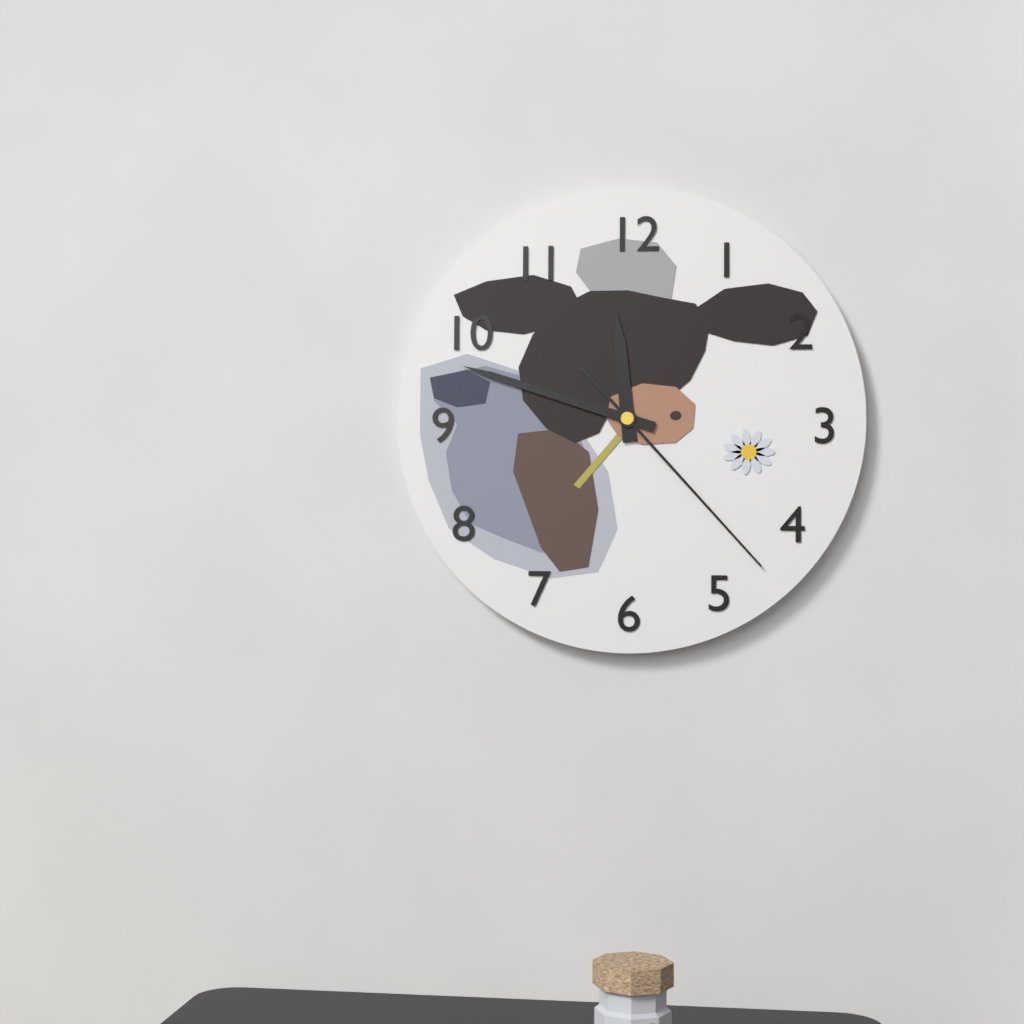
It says 11:48:23
